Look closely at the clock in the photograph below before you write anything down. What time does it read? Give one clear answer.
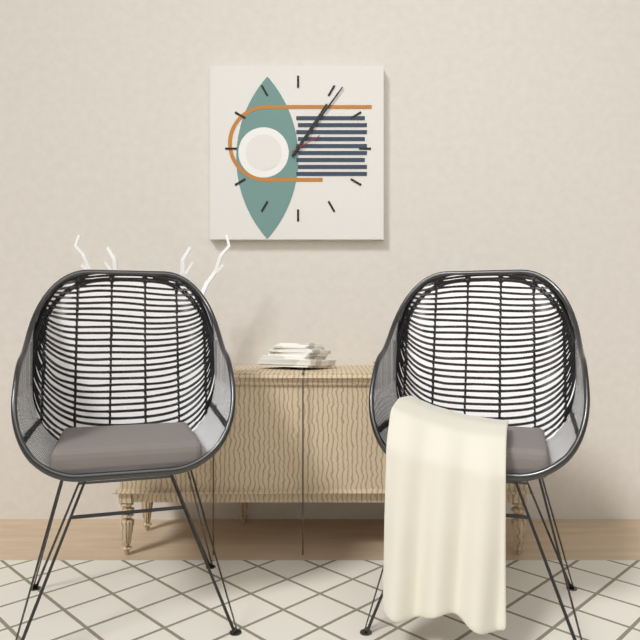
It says 1:06
